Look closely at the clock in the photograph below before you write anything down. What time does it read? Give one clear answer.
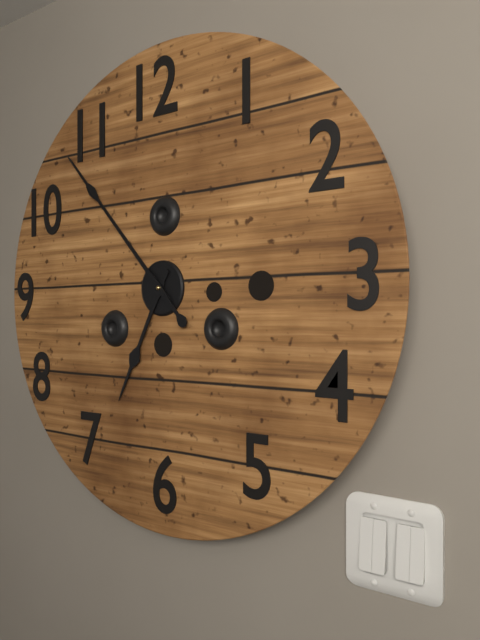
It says 6:53
